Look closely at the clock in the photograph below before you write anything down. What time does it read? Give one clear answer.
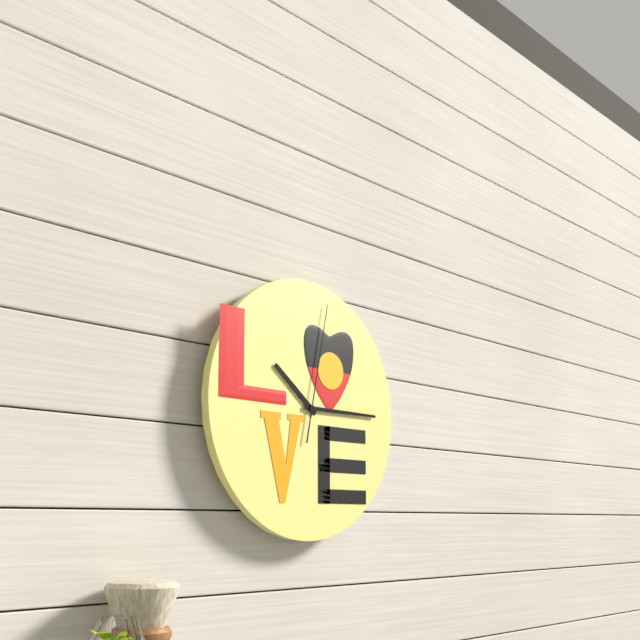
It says 10:15:02
